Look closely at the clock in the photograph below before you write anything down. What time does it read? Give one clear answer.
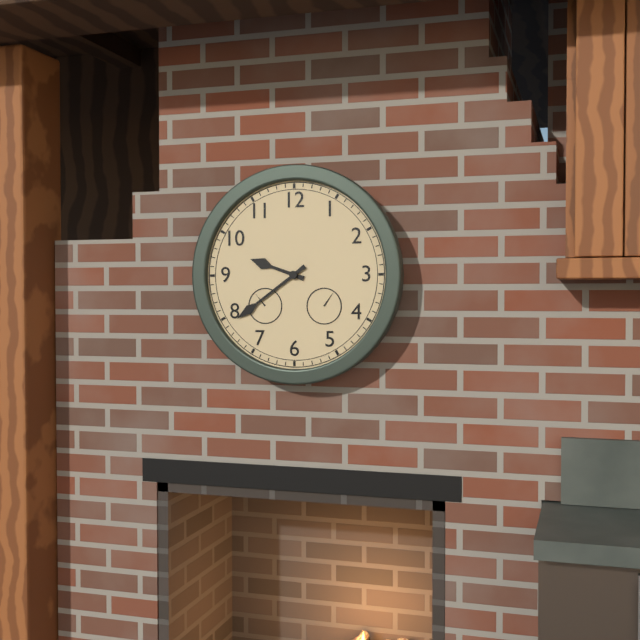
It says 9:39
